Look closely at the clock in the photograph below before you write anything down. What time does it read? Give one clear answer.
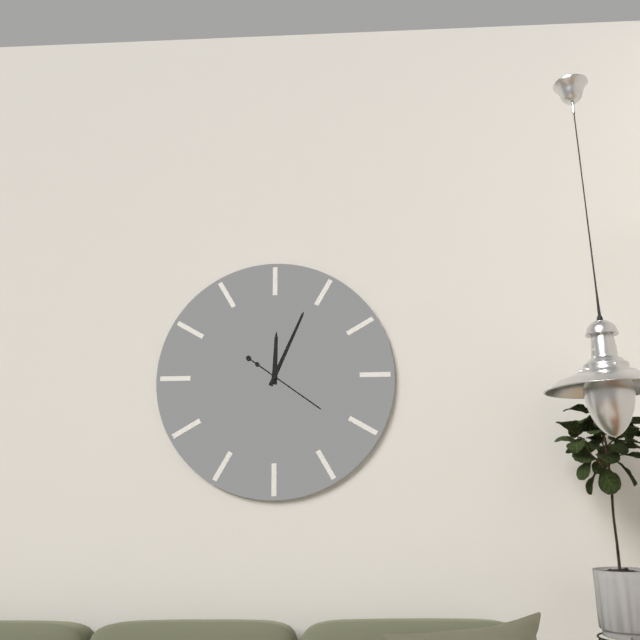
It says 12:04:21
